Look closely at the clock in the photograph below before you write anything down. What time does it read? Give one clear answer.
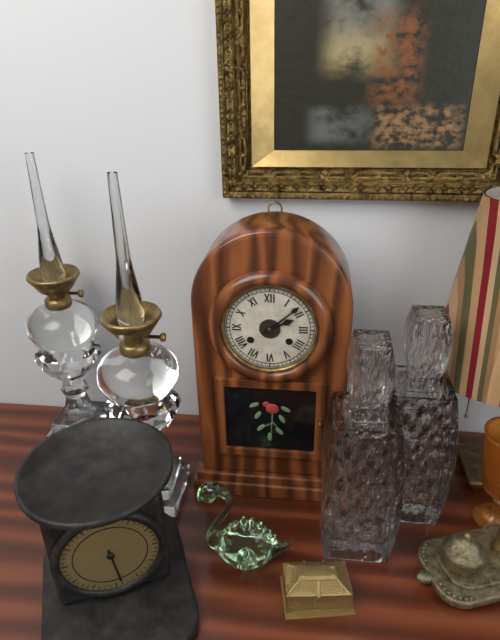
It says 2:08
